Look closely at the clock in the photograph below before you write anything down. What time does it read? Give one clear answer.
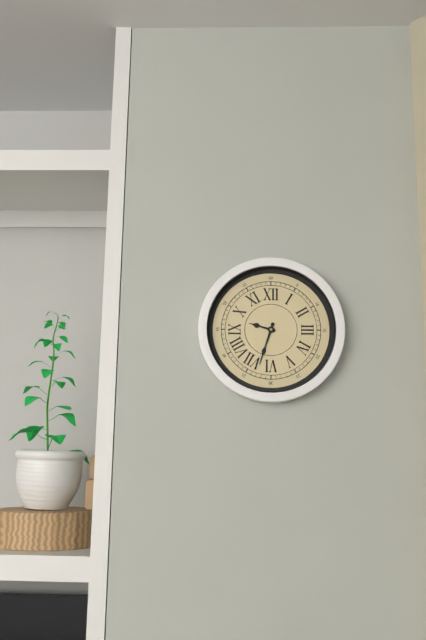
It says 9:33
